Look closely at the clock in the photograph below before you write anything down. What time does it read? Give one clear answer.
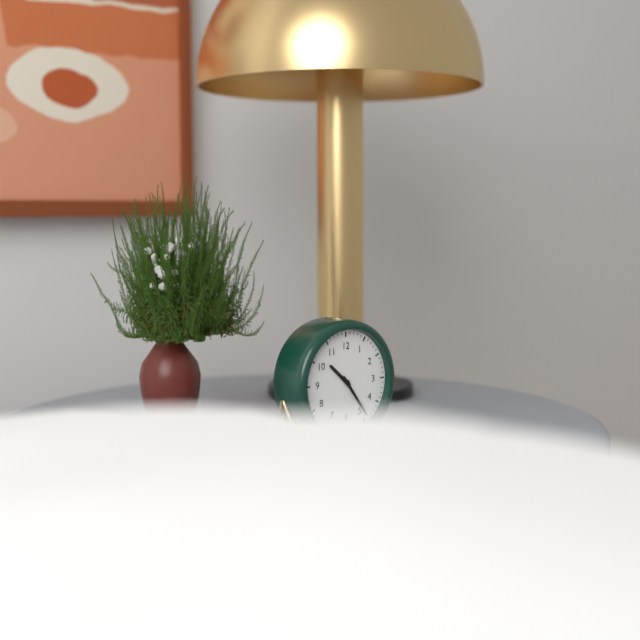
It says 10:24
